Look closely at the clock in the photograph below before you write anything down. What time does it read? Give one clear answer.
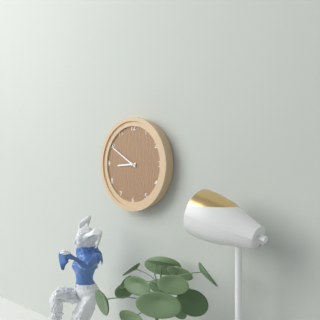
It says 8:50
